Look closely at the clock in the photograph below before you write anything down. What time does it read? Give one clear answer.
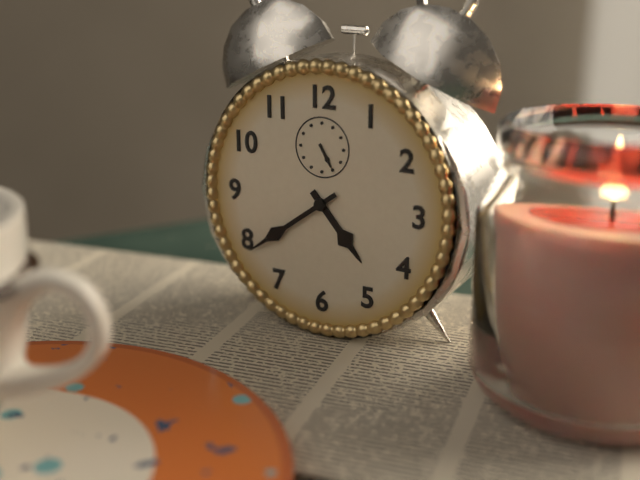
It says 4:39
